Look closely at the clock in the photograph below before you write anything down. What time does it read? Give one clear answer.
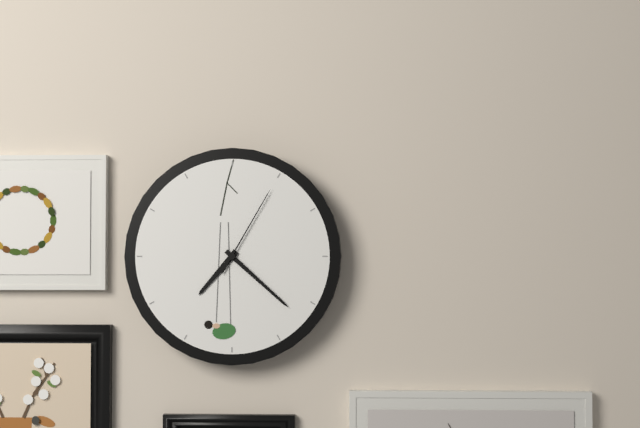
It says 7:22:05
